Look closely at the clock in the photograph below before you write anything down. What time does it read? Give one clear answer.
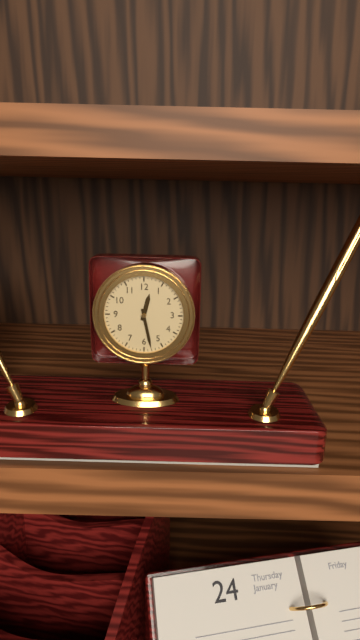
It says 12:28
